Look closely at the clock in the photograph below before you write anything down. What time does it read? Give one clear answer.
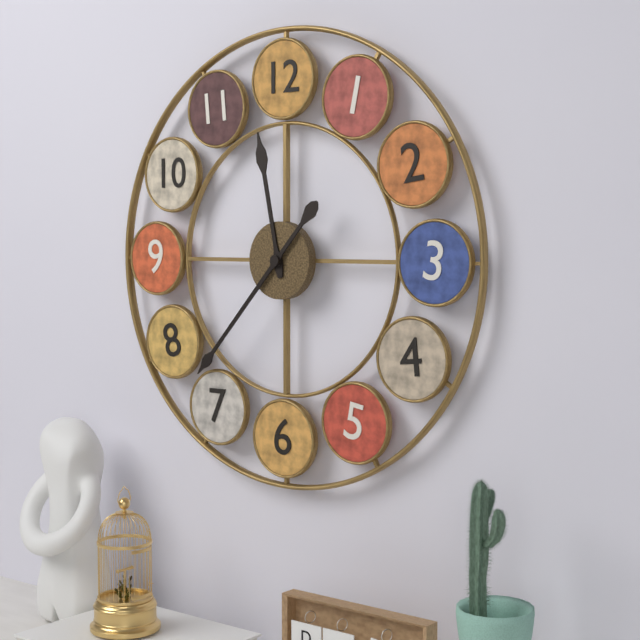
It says 11:37
